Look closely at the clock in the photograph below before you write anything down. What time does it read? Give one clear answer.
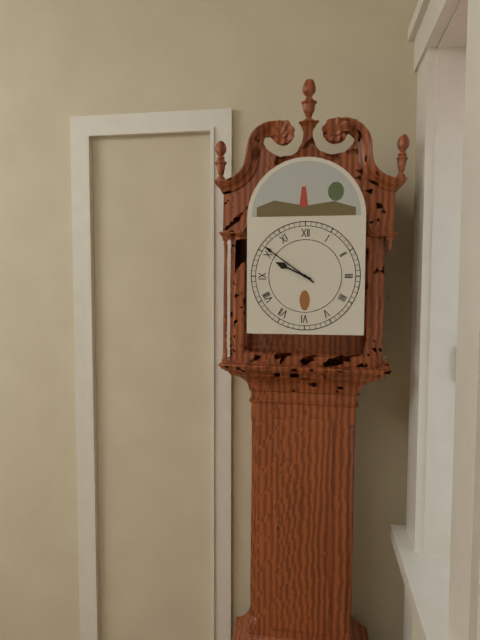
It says 9:51
